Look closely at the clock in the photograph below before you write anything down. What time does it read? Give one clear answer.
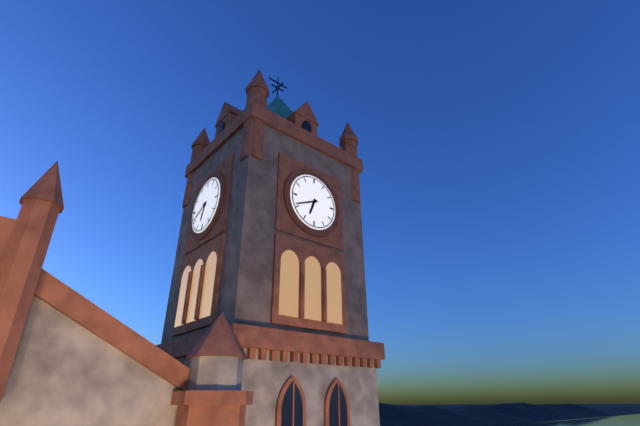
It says 6:41
